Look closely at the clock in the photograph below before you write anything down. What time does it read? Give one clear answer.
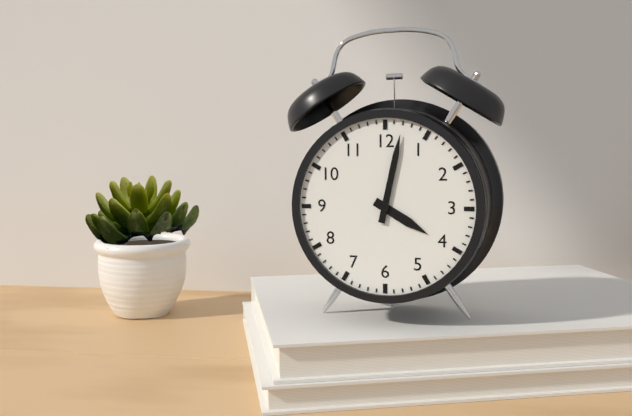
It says 4:02
